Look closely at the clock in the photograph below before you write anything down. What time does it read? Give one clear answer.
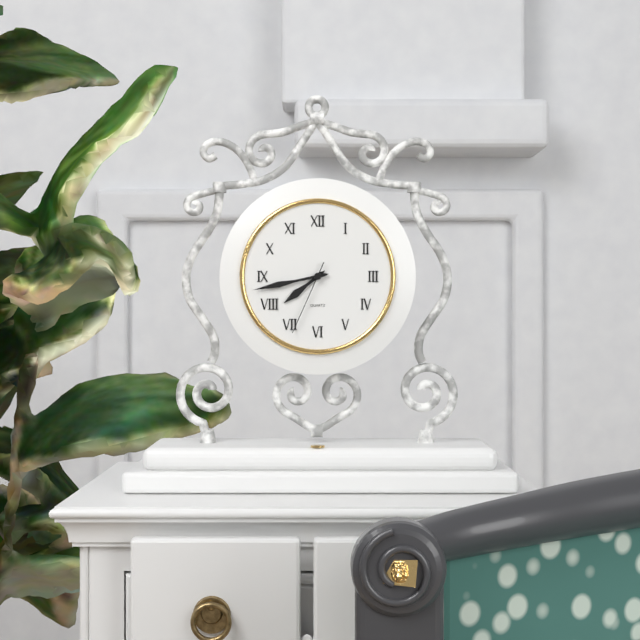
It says 7:43:34
